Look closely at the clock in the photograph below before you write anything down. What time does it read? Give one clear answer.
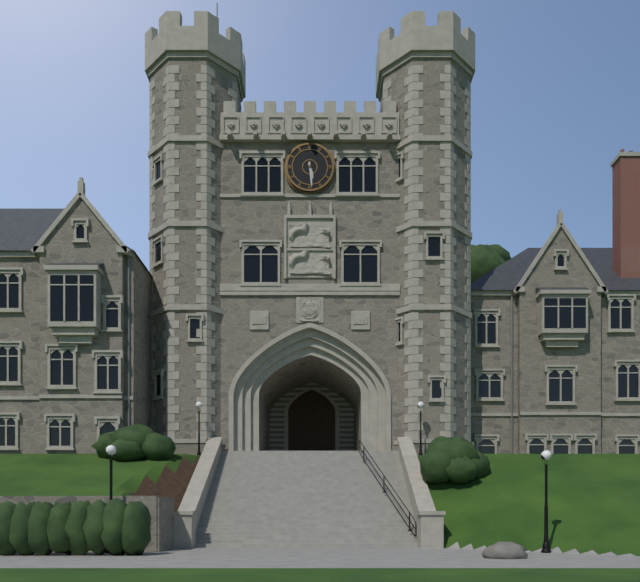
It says 5:29
